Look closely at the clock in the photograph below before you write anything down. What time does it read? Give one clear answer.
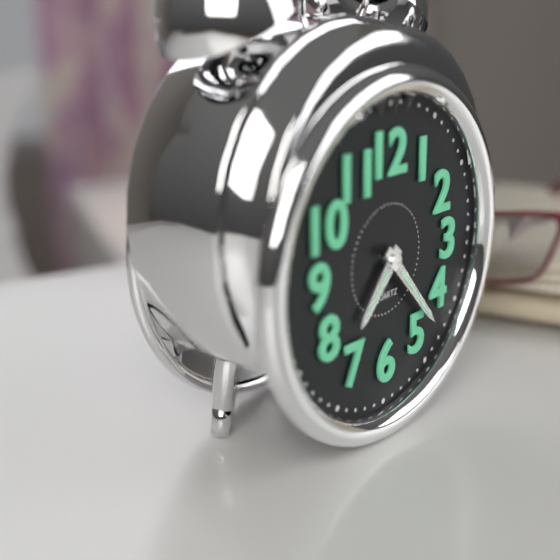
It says 7:23
